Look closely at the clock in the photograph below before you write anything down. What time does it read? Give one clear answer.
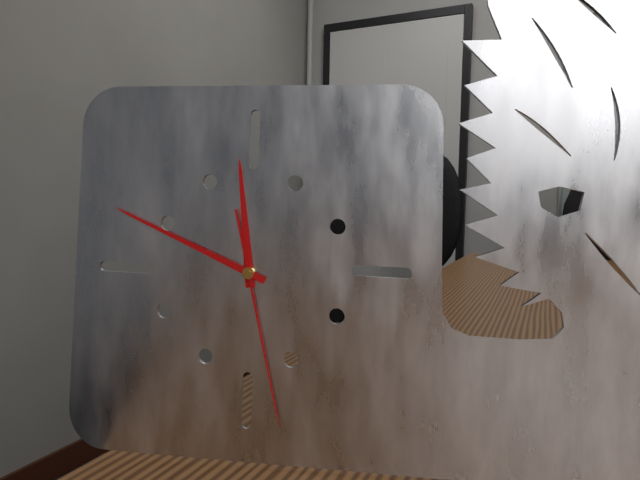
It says 11:49:28
